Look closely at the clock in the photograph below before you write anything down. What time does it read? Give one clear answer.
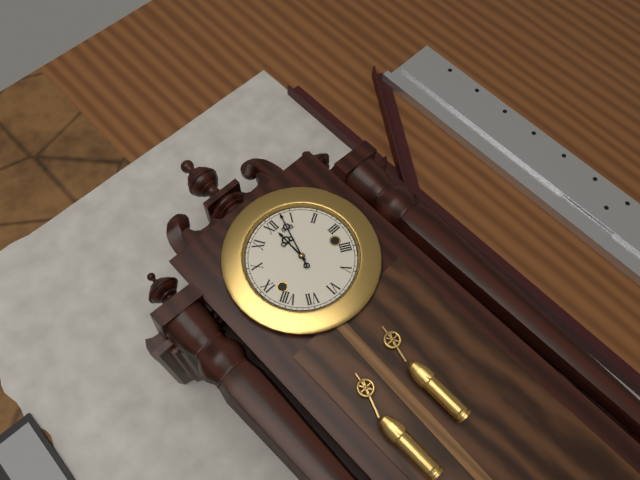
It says 12:03
